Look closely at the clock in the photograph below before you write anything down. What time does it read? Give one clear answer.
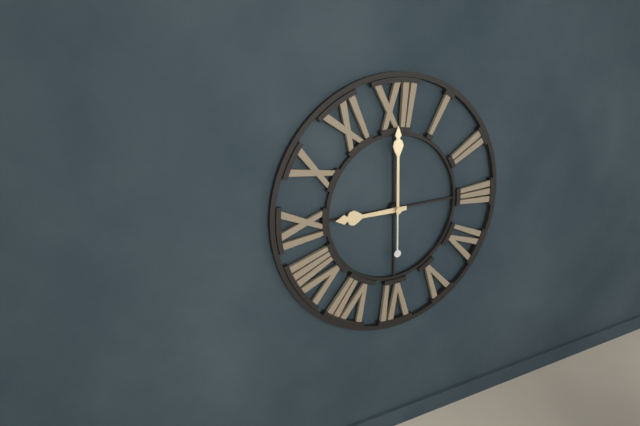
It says 9:00
